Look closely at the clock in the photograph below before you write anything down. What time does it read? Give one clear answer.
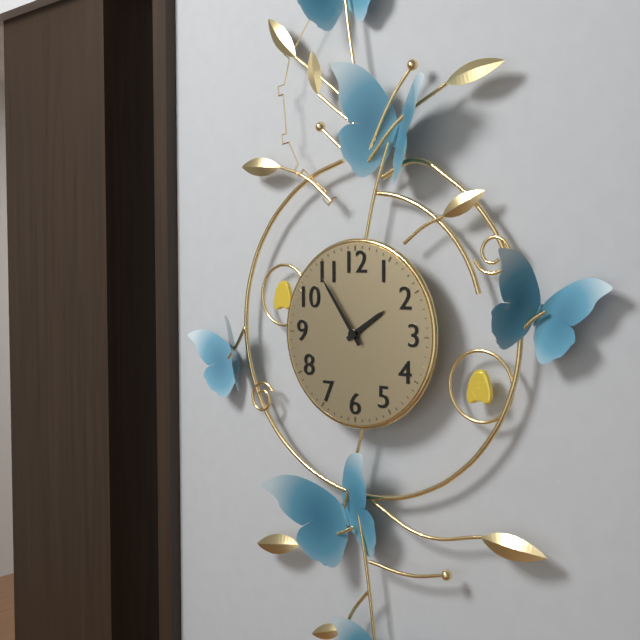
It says 1:54
